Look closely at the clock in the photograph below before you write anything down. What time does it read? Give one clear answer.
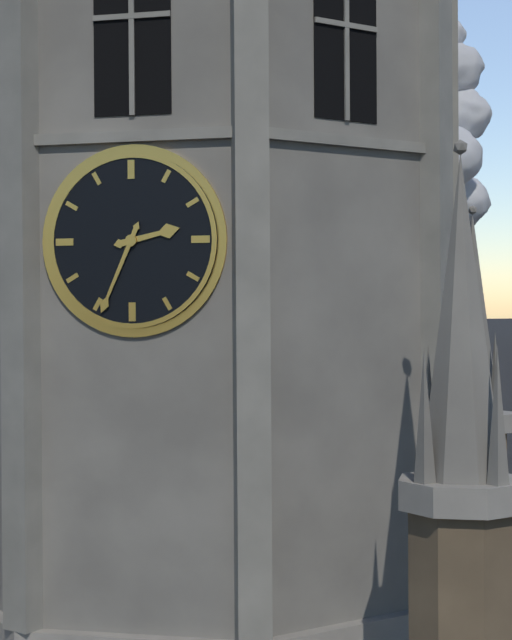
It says 2:34
